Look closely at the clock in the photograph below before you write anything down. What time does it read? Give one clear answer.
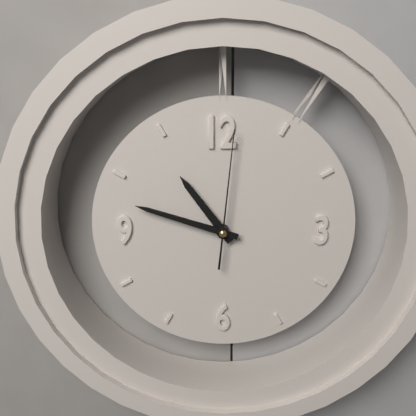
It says 10:48:01
